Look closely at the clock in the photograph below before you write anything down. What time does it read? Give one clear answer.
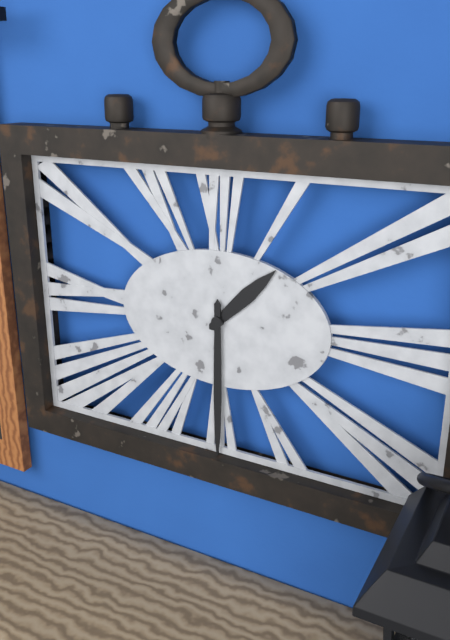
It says 1:30
